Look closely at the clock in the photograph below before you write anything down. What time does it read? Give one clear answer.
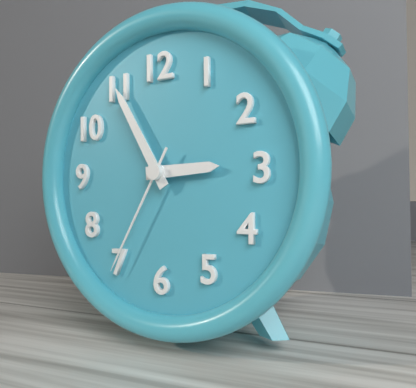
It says 2:55:35
